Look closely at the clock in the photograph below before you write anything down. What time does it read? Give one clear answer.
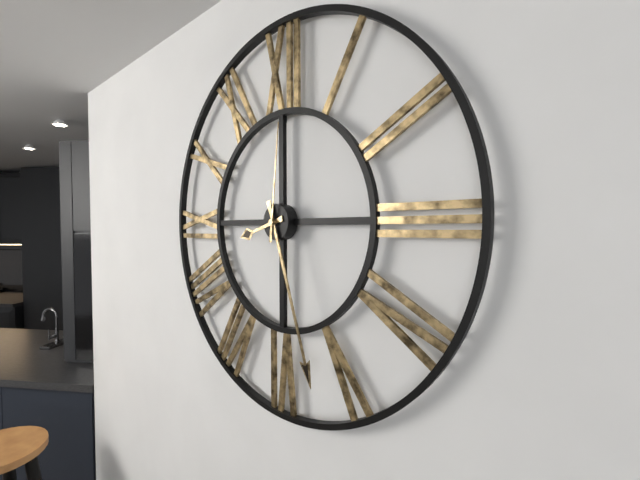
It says 8:27:01
